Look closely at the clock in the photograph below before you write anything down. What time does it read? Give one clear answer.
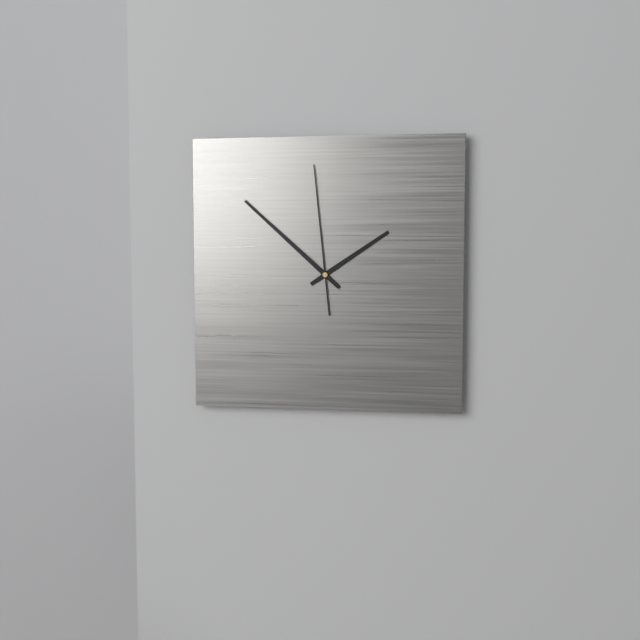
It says 1:52:59
